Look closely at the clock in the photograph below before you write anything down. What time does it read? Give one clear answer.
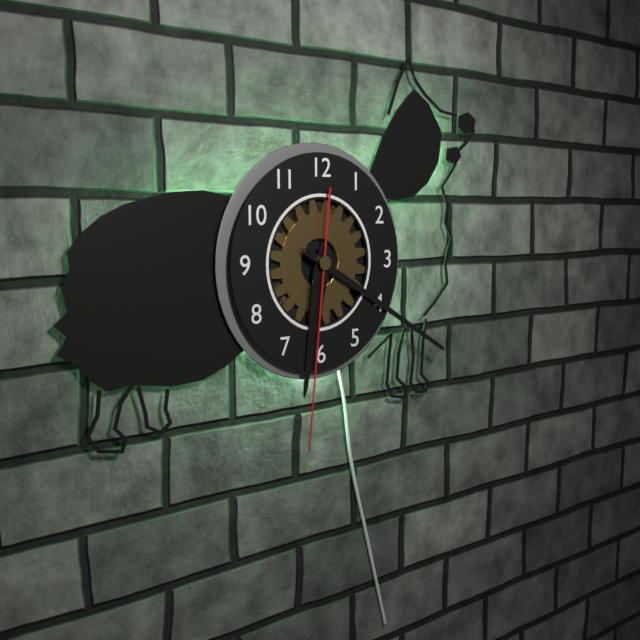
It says 6:20:31
